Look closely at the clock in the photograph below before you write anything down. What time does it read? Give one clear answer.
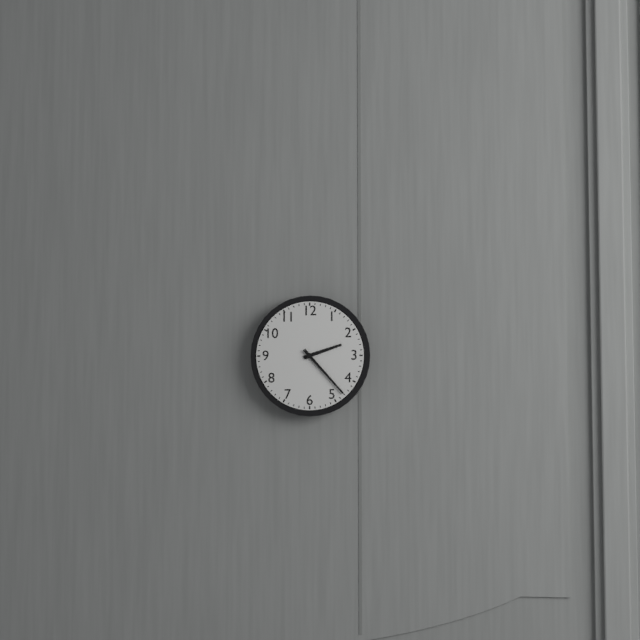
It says 2:23
